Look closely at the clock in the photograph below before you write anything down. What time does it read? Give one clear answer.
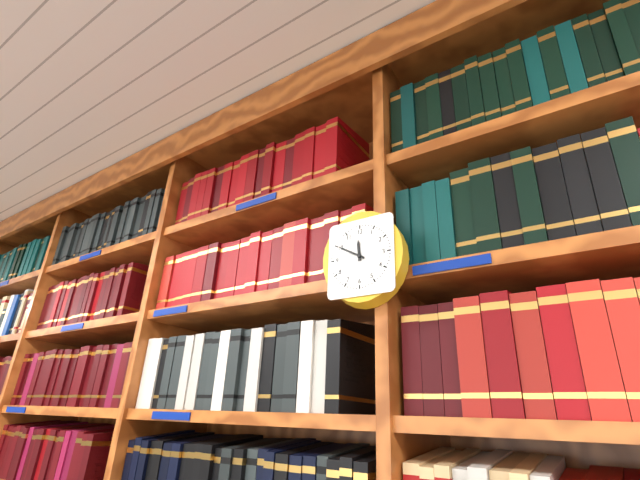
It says 11:50
